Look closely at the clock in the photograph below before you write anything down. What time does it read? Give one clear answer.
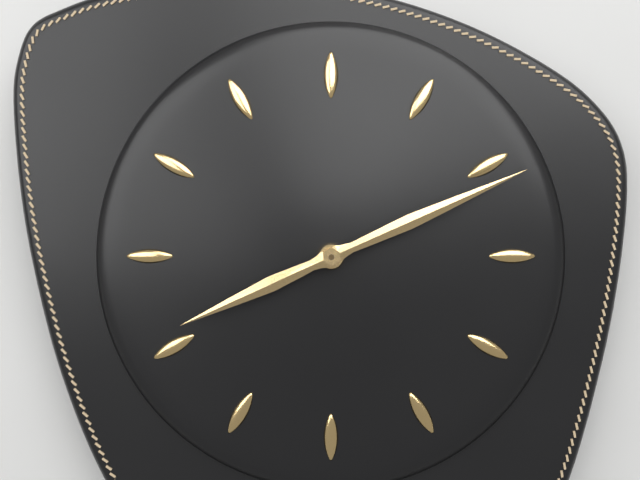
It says 8:11
